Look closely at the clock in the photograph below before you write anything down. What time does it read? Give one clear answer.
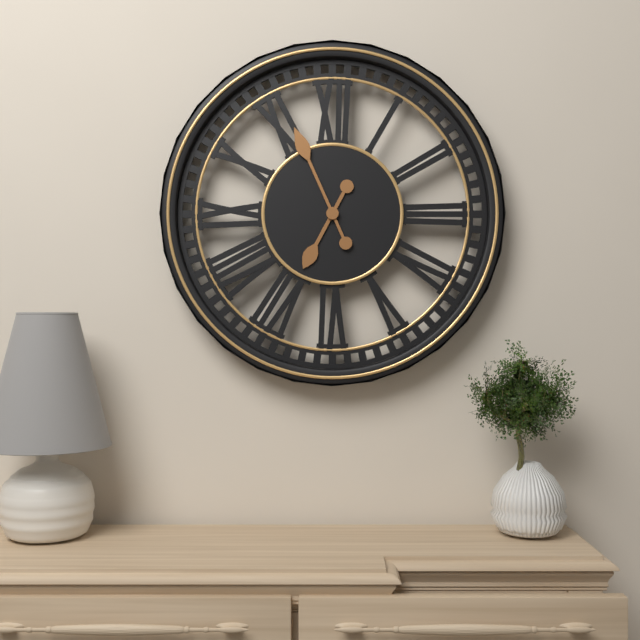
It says 6:56
